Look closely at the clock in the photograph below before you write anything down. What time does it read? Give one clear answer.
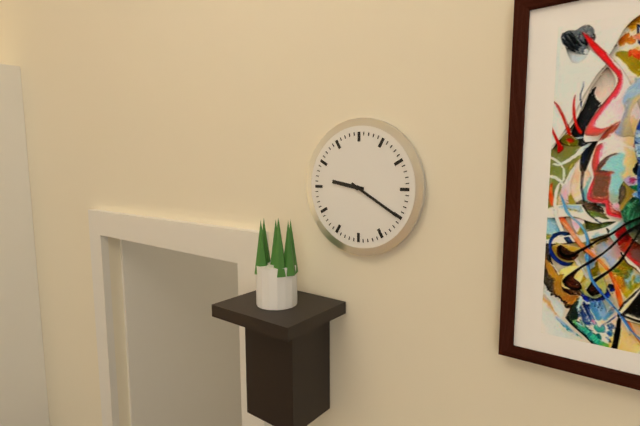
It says 9:20
